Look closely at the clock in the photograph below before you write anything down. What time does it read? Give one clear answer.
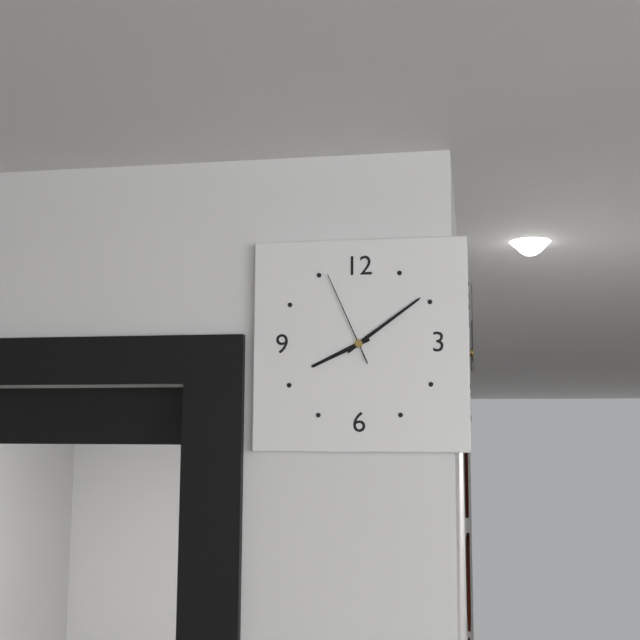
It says 8:09:56
